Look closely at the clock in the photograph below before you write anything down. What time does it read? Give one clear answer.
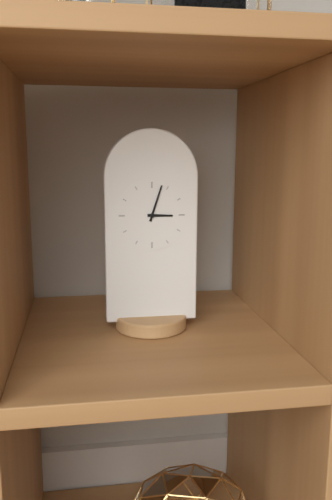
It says 3:03
